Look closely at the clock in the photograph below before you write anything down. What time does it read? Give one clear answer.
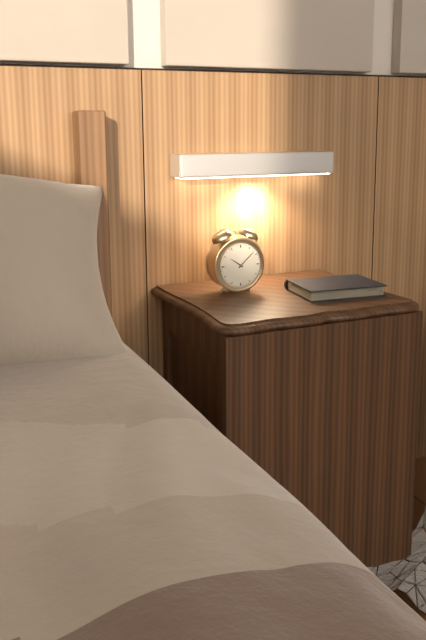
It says 10:08
